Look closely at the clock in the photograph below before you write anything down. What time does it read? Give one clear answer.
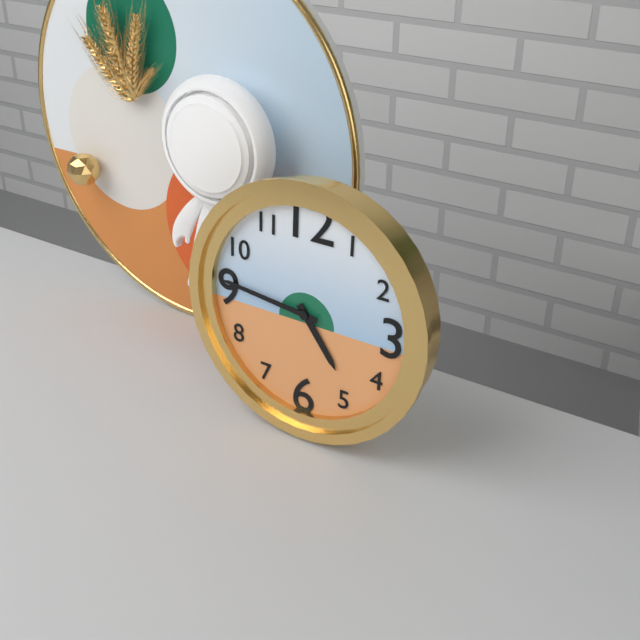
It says 4:46
